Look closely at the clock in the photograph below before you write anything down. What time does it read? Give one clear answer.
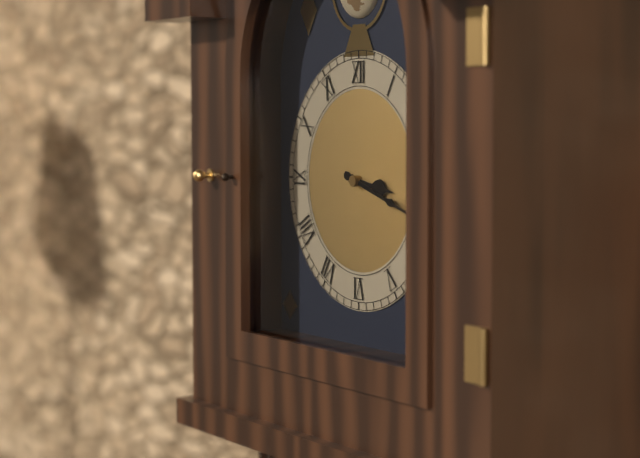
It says 3:18
